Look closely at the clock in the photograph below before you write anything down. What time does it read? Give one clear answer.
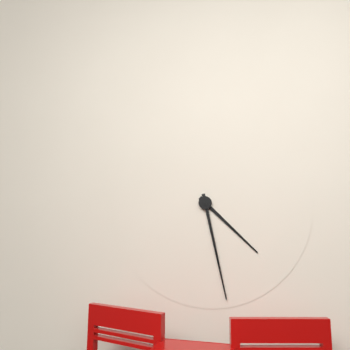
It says 4:28
